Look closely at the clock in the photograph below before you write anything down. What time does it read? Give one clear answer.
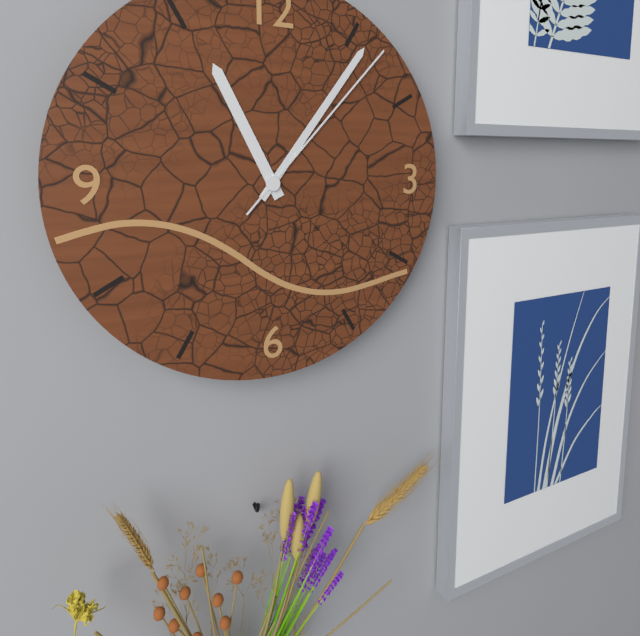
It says 11:06:07
